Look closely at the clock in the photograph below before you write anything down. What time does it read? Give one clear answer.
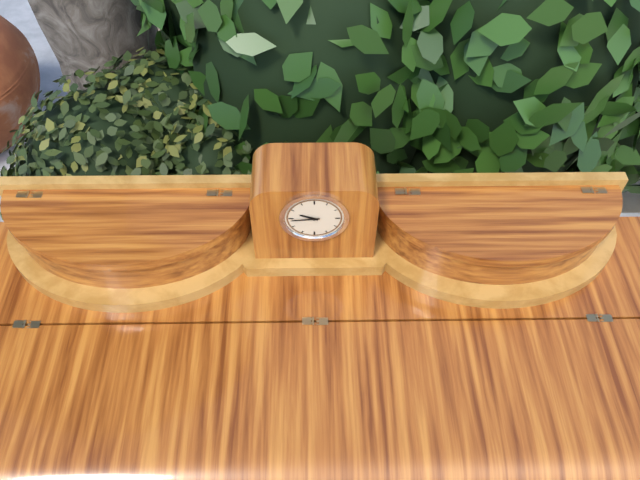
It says 9:44
